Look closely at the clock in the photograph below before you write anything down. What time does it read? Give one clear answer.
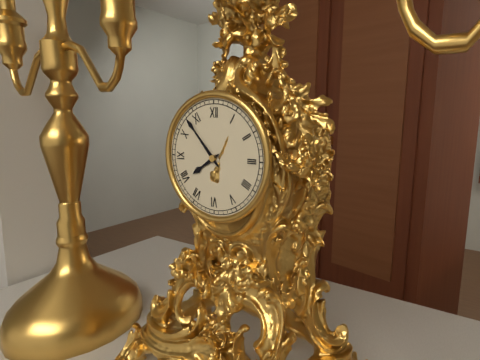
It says 7:53
